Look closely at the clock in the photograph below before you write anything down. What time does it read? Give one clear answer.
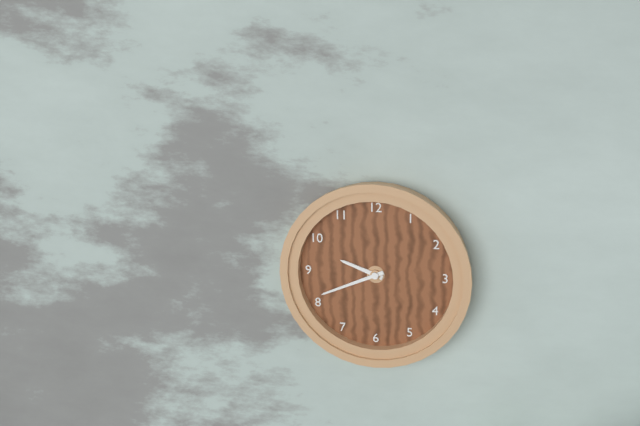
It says 9:41
